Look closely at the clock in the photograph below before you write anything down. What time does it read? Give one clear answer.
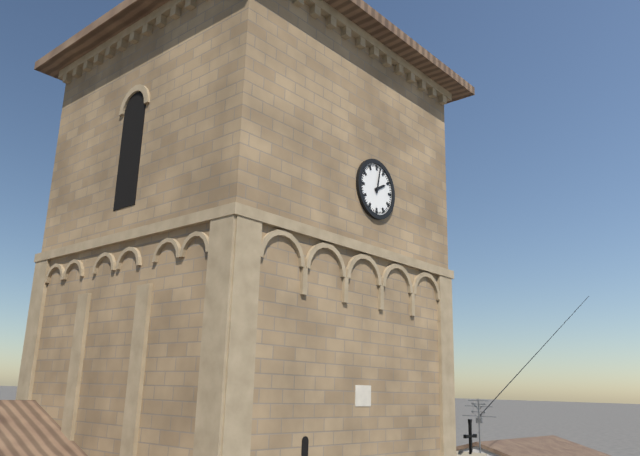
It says 2:02
